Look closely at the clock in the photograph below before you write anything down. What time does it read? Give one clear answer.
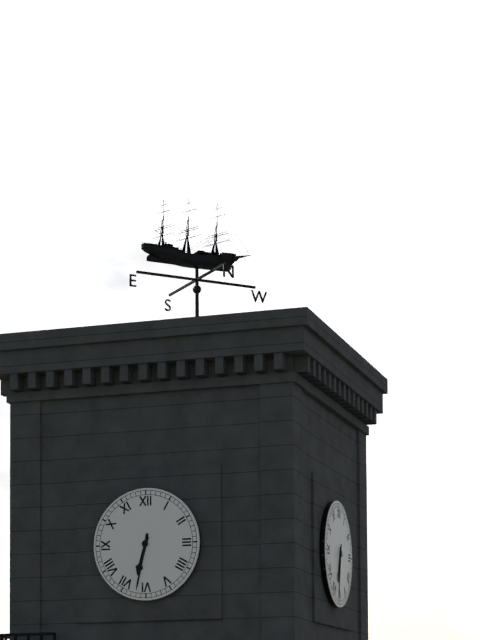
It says 6:32
